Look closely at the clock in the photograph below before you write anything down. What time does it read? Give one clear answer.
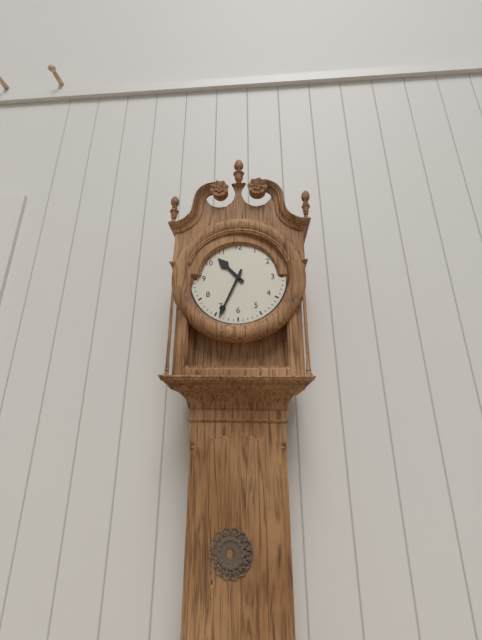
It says 10:34
